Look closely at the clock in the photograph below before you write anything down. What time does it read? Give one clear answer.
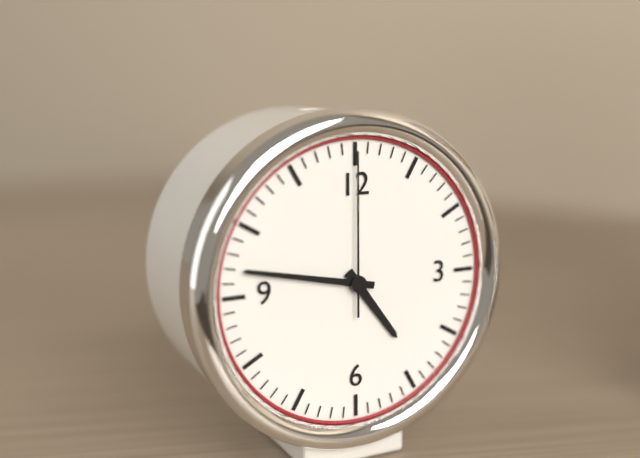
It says 4:47:00
